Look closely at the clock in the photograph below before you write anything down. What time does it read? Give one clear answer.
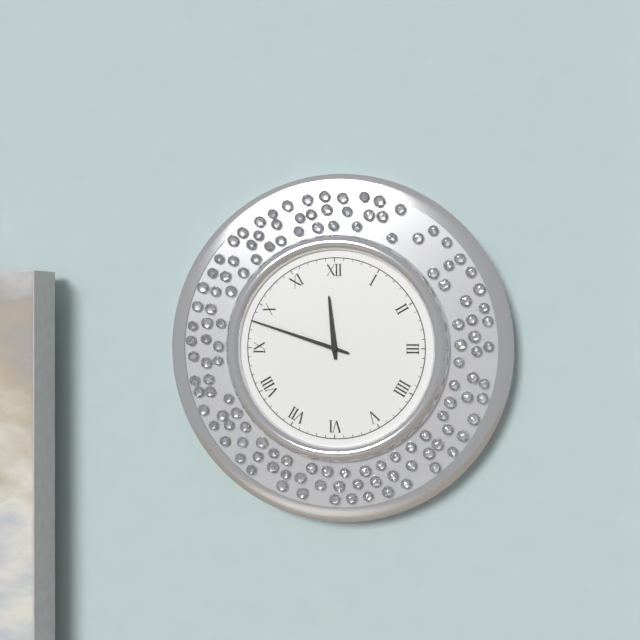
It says 11:48
